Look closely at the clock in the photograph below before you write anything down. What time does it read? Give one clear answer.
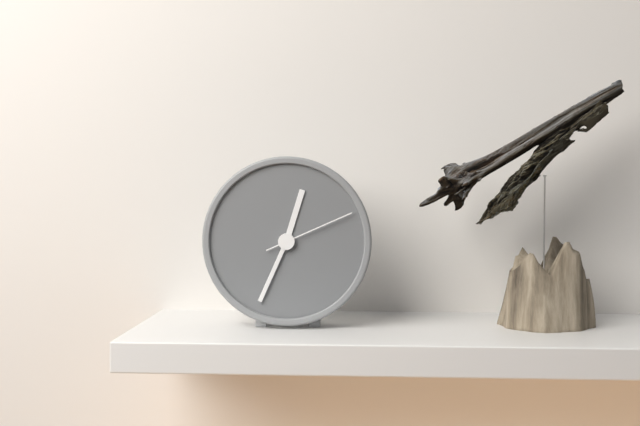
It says 12:34:11
